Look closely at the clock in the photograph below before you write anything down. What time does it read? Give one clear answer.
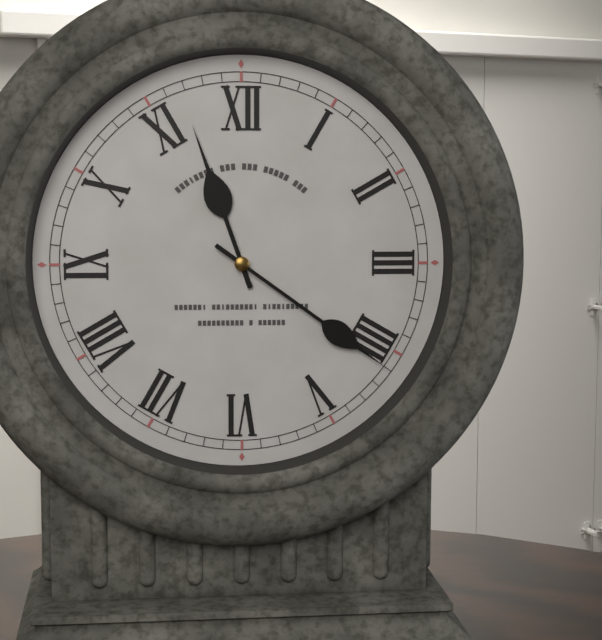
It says 11:21
